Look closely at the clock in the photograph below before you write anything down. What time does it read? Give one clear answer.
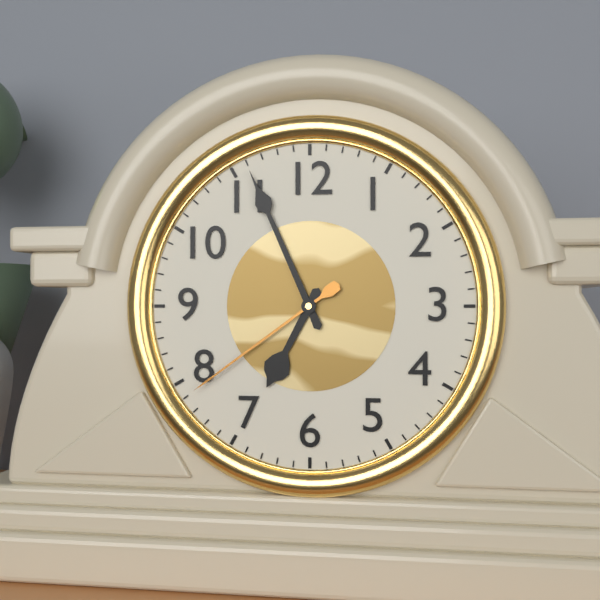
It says 6:56:39
